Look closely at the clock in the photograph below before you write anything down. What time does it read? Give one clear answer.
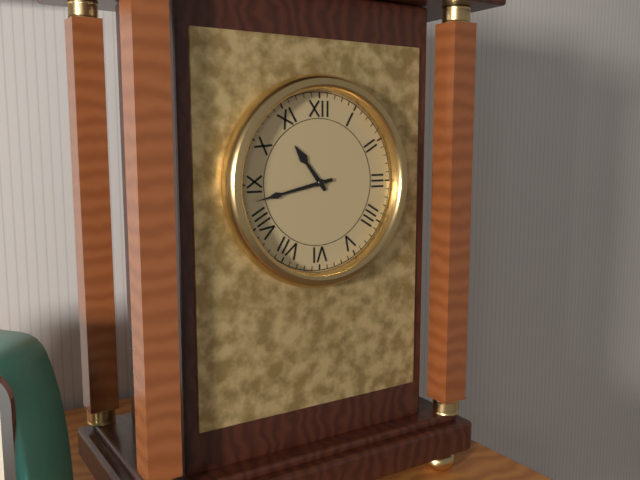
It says 10:43
